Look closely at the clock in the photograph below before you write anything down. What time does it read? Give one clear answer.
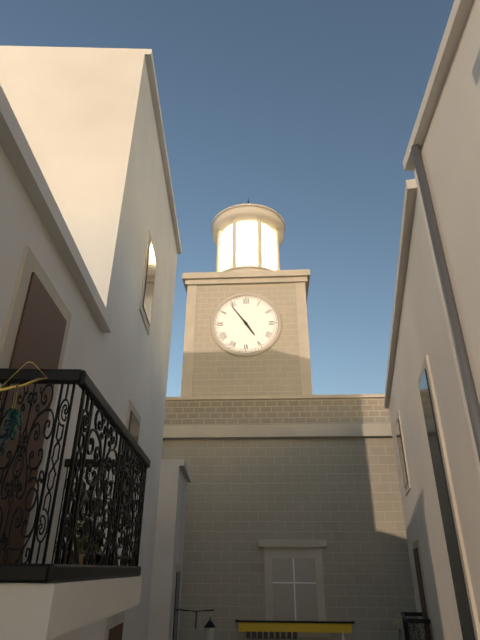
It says 4:54
